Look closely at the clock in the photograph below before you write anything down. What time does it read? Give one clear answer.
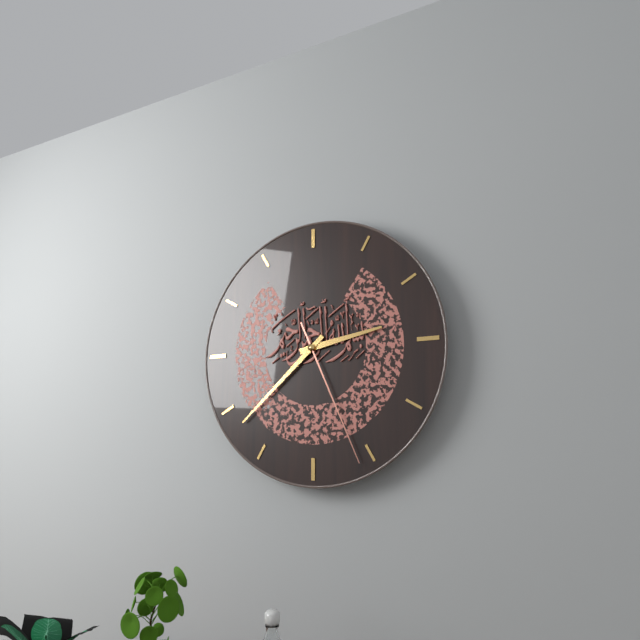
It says 2:38:26
